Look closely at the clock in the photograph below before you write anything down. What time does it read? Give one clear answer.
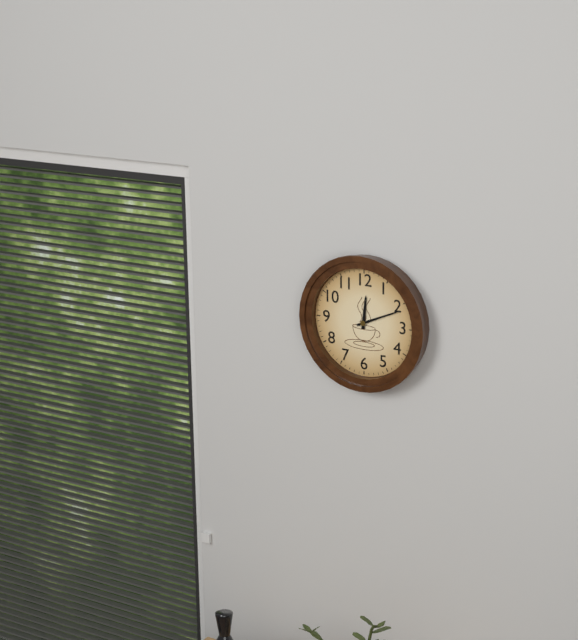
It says 12:11
